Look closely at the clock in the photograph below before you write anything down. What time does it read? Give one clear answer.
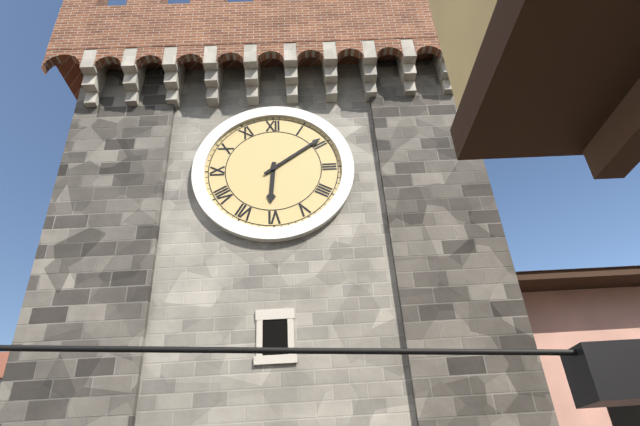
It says 6:09
